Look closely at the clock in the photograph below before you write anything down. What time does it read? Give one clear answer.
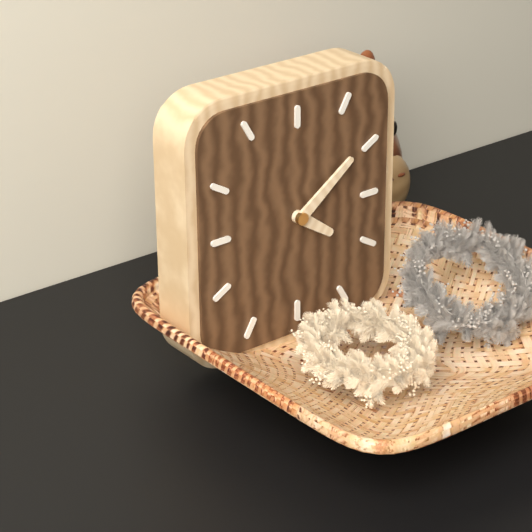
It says 4:09
